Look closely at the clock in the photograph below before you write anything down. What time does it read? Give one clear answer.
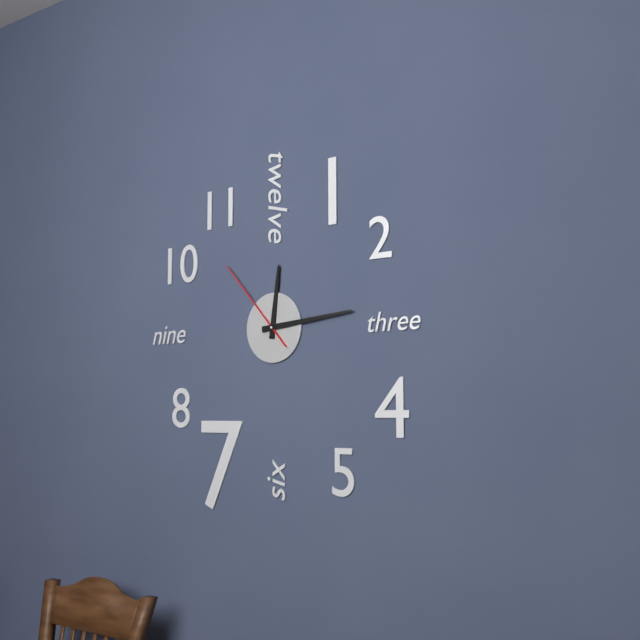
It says 12:14:53
